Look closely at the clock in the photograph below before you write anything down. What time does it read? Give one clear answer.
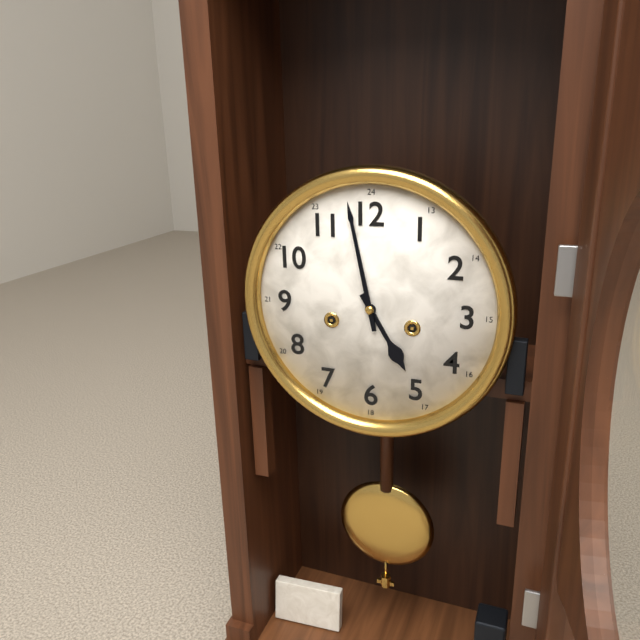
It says 4:58
